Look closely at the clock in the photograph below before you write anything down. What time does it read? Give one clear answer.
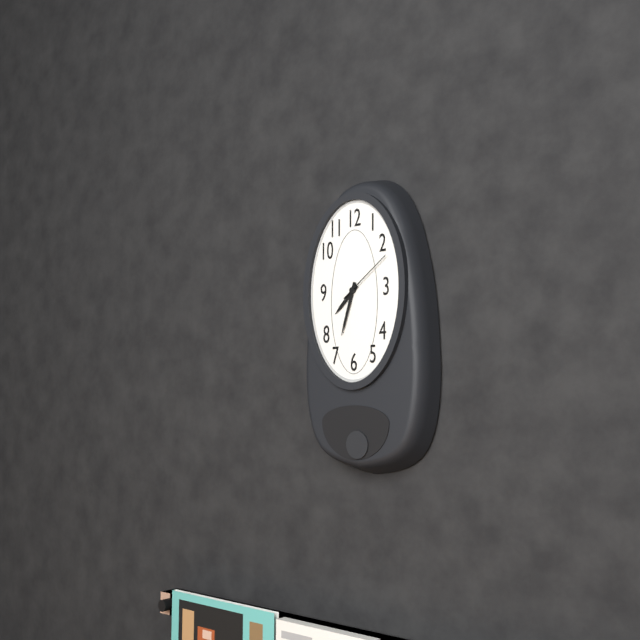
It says 7:33:09
